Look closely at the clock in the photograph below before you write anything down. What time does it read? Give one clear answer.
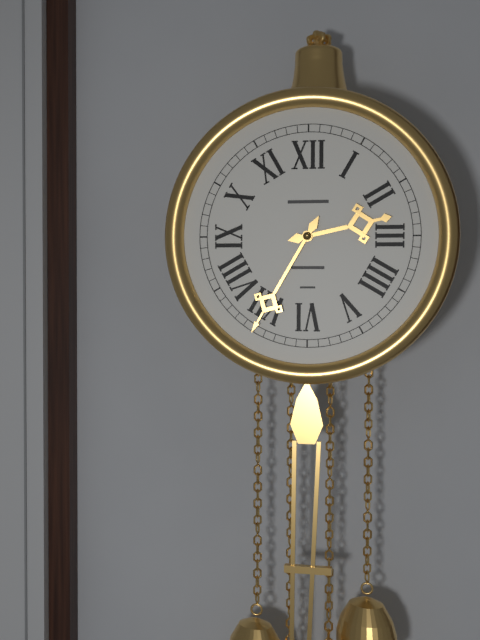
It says 2:35
